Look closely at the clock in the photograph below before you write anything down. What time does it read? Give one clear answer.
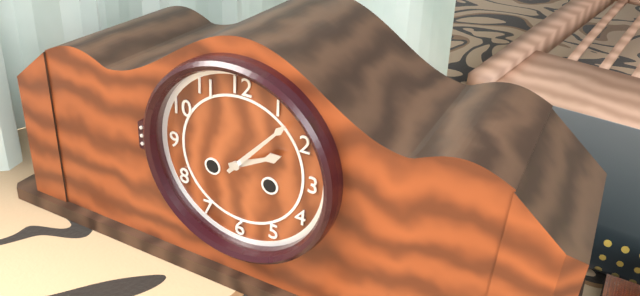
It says 2:07
